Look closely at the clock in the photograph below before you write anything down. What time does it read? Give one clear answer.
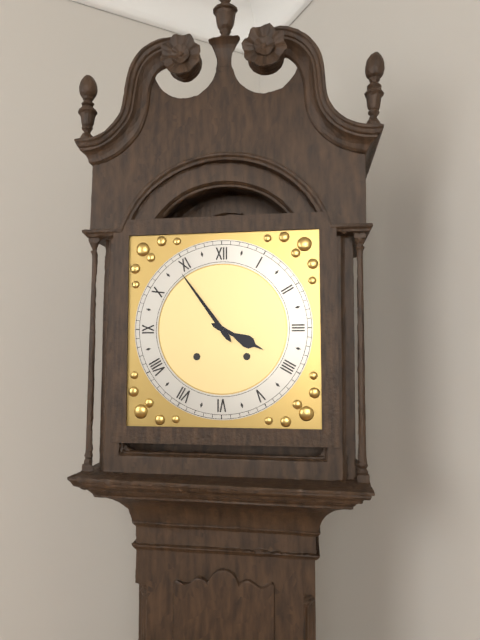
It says 3:54
